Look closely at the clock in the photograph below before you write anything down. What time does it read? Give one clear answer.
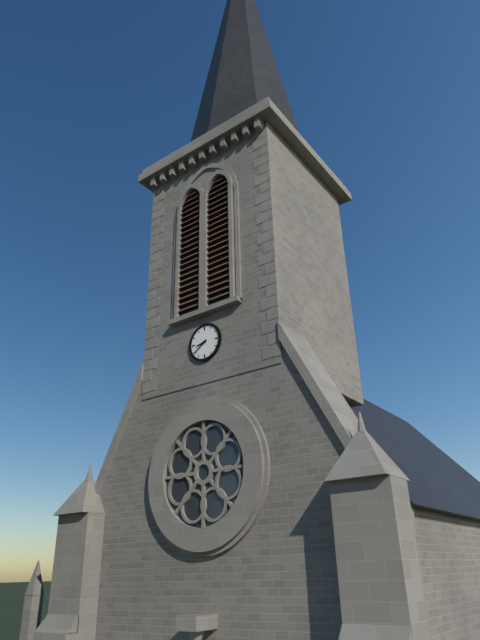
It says 8:39
